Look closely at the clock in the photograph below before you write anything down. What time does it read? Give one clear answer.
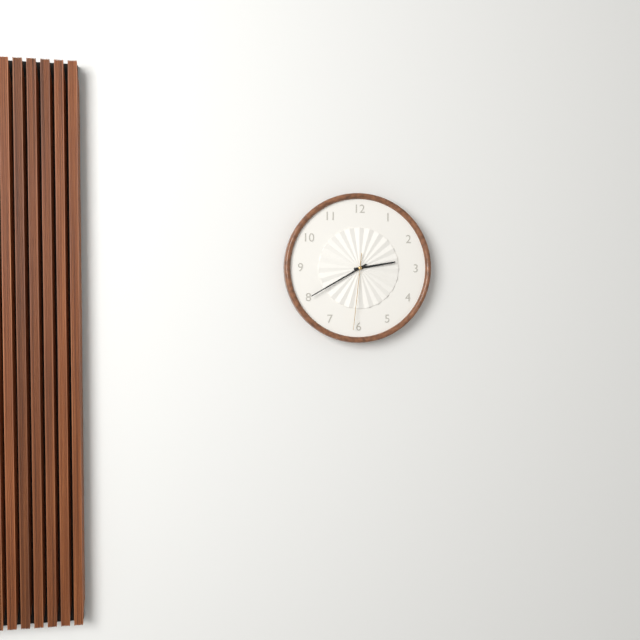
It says 2:40:31
